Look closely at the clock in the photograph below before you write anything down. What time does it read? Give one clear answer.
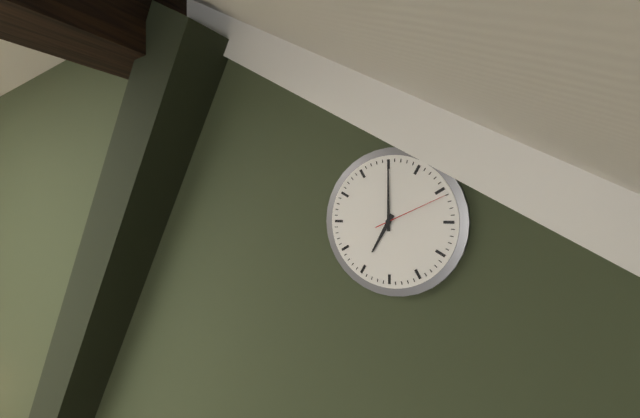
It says 7:00:11
